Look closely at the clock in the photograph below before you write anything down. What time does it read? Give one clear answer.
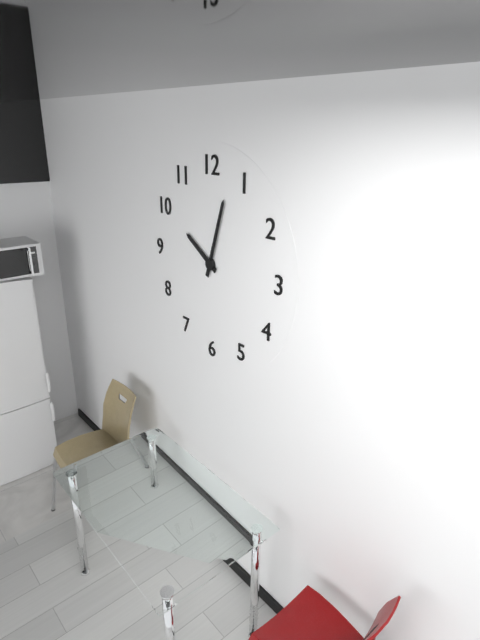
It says 10:03
